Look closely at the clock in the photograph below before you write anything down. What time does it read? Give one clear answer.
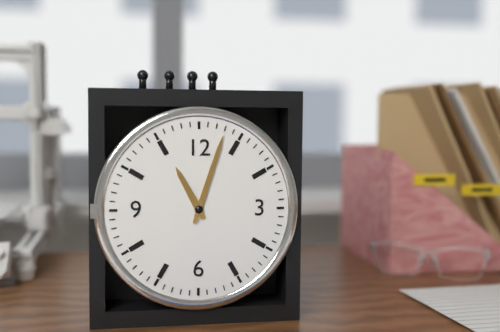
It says 11:03
